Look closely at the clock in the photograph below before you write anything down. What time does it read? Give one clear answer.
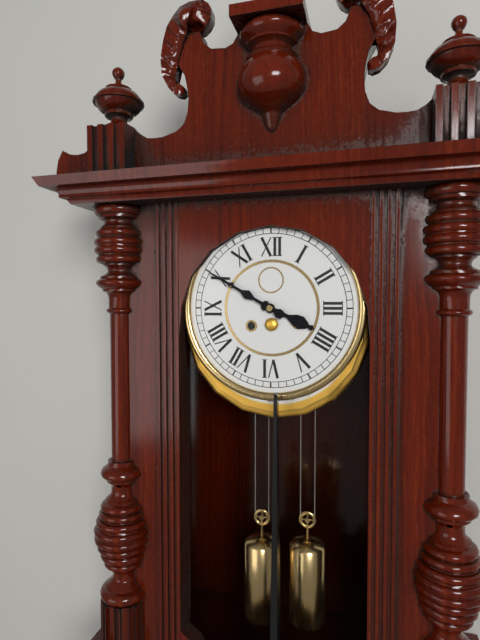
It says 3:50
